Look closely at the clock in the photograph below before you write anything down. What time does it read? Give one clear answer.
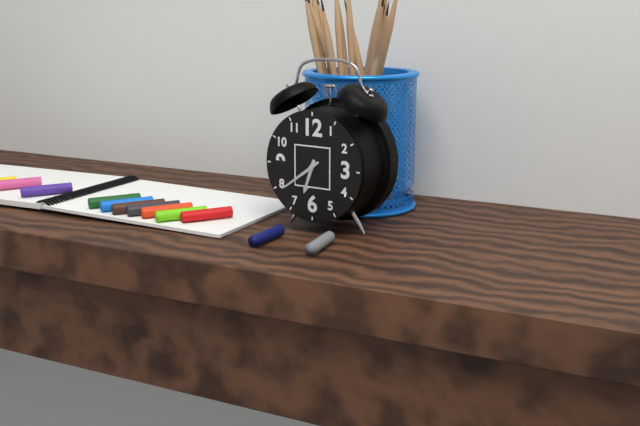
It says 6:39
